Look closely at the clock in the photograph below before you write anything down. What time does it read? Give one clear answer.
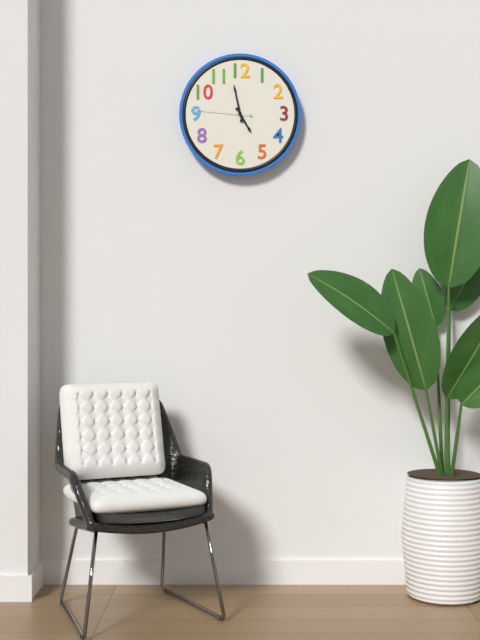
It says 4:58:46
